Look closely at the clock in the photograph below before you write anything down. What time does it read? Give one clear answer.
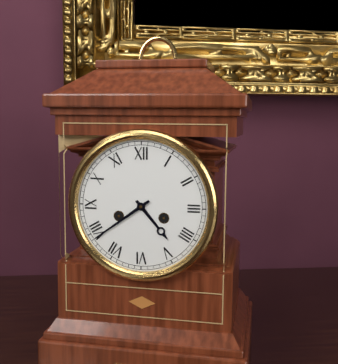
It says 4:39
